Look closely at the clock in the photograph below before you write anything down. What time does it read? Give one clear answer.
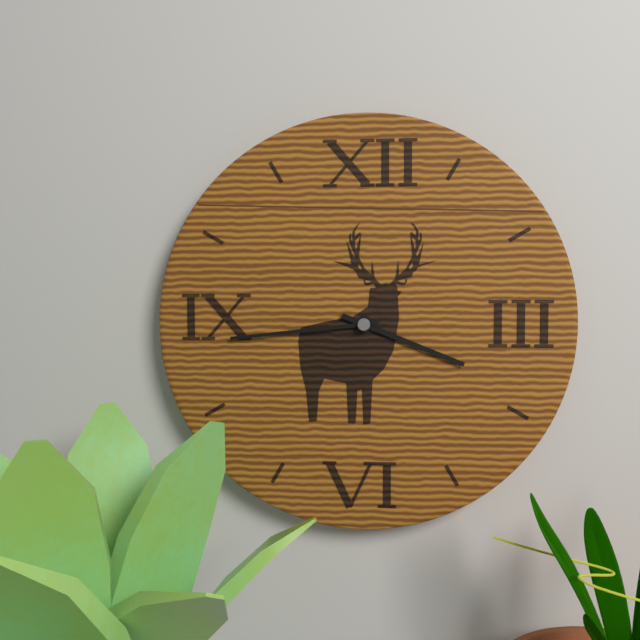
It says 3:44
